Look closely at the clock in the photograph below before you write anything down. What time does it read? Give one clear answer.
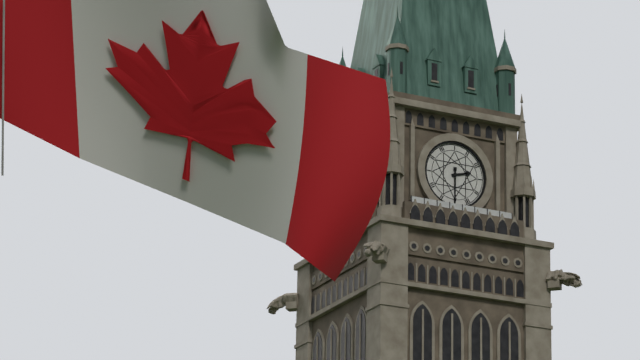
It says 2:30
